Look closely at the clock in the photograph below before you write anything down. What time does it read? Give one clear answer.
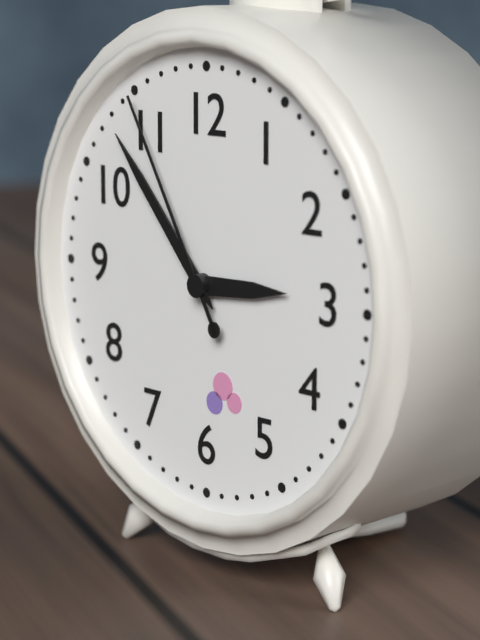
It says 2:53:55
